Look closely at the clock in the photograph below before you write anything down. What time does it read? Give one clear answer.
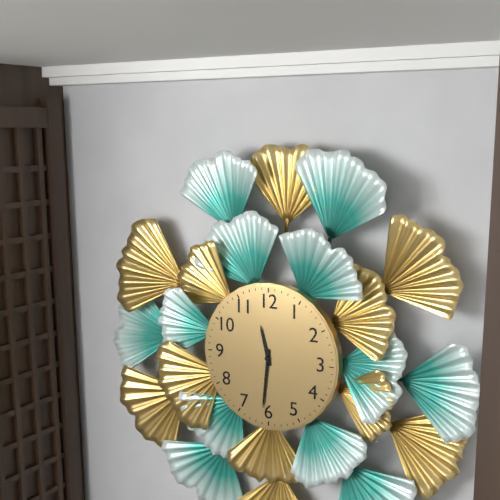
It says 11:31
